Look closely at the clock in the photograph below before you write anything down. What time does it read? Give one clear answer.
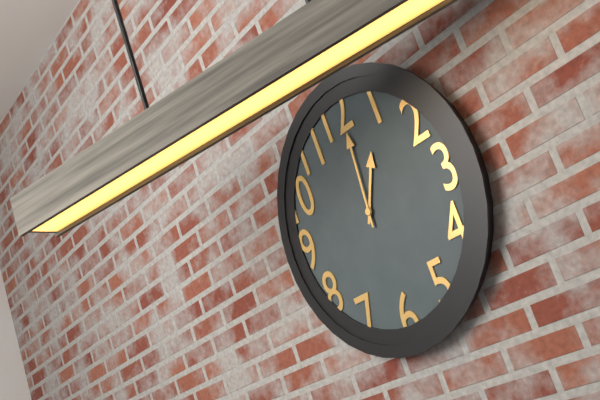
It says 1:01
